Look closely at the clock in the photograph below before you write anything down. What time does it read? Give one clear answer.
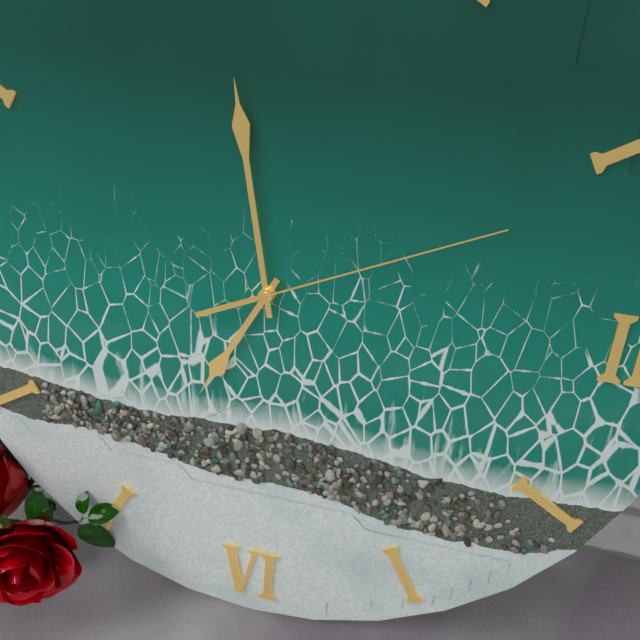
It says 6:58:11
